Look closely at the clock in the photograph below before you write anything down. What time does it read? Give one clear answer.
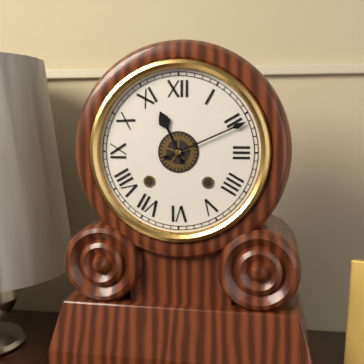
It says 11:11
